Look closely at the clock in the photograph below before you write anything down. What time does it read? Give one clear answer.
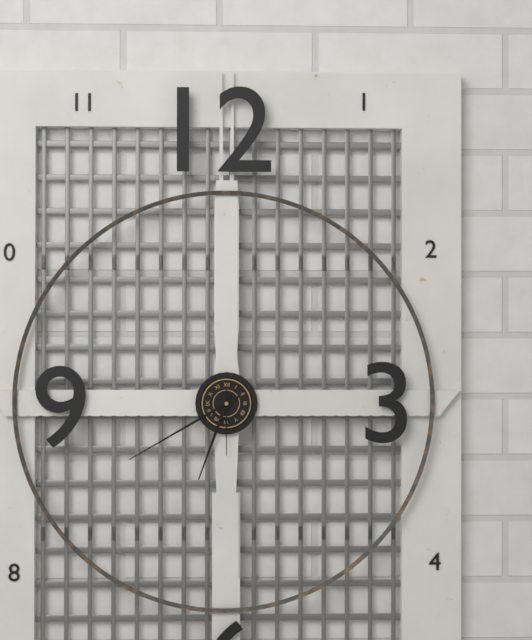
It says 6:40:30
